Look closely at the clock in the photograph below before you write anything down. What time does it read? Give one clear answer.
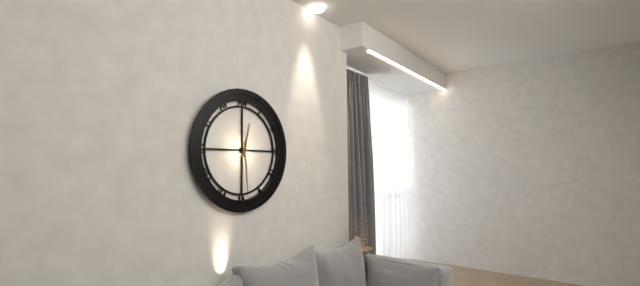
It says 12:29
